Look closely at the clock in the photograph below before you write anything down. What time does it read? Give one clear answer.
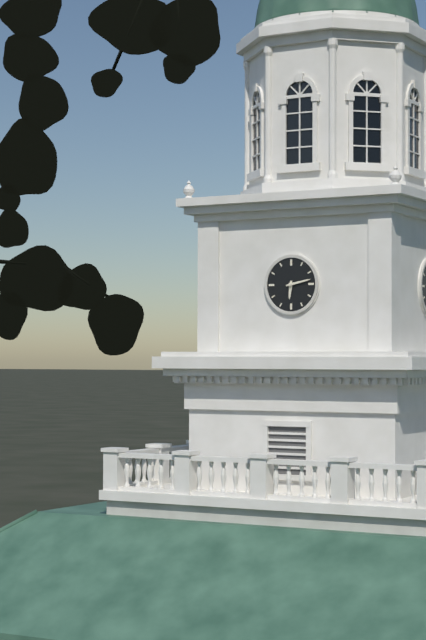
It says 6:13
